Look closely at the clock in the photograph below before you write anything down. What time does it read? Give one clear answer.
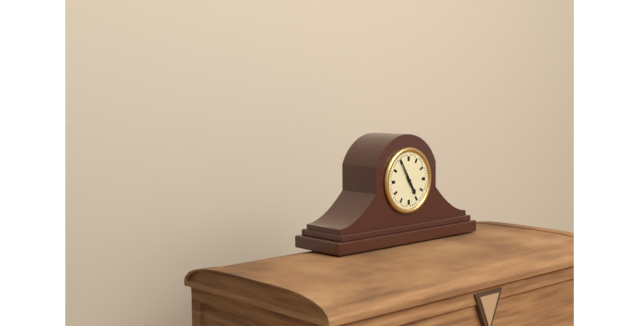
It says 4:55
